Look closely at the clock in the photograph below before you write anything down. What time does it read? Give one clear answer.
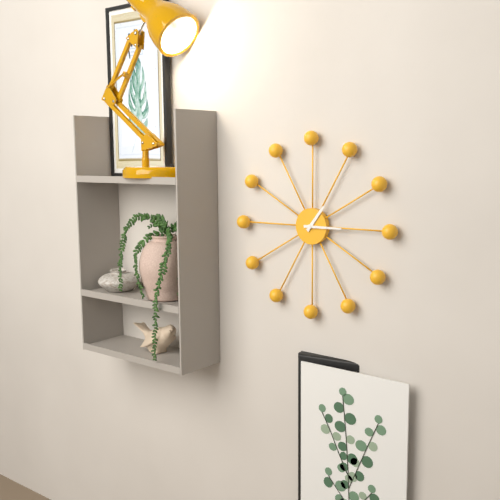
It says 1:15
